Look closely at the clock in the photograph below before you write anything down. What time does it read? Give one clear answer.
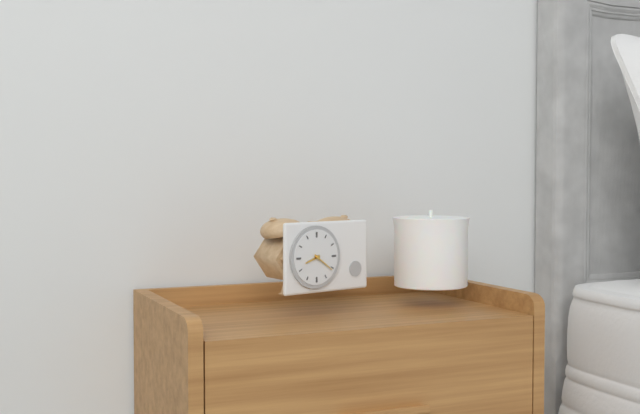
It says 8:21
